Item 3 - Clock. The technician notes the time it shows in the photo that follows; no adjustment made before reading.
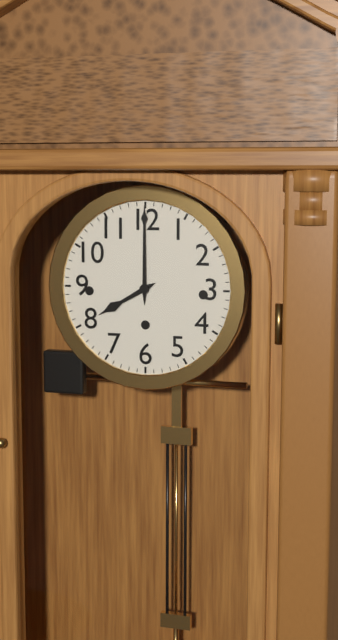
8:00
